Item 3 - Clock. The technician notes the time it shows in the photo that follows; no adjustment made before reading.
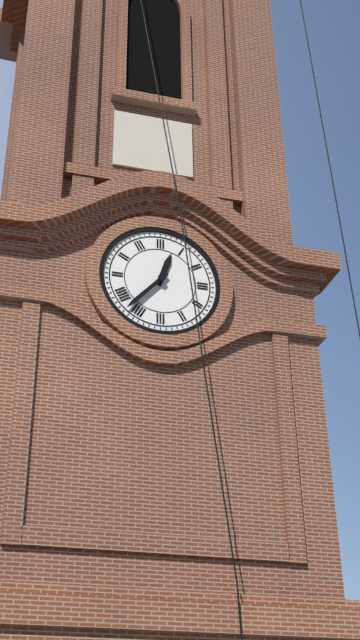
12:37
